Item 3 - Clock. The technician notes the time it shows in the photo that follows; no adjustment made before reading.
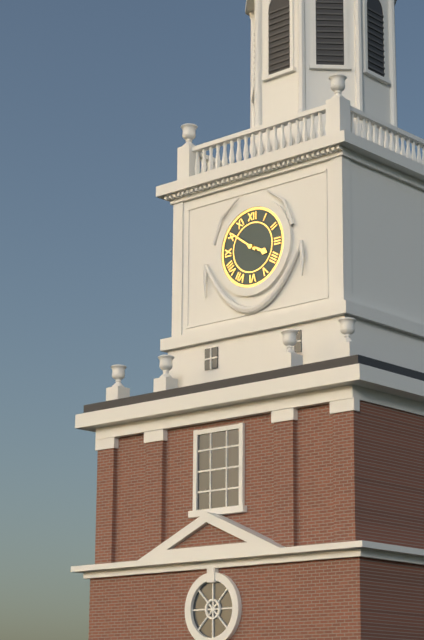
3:51
